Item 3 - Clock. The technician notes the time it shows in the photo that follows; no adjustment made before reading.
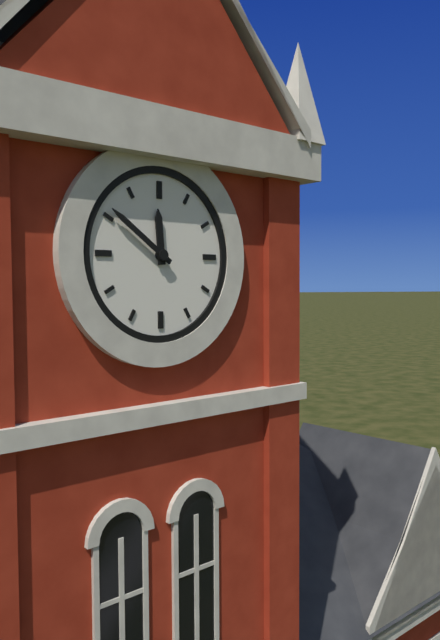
11:51
